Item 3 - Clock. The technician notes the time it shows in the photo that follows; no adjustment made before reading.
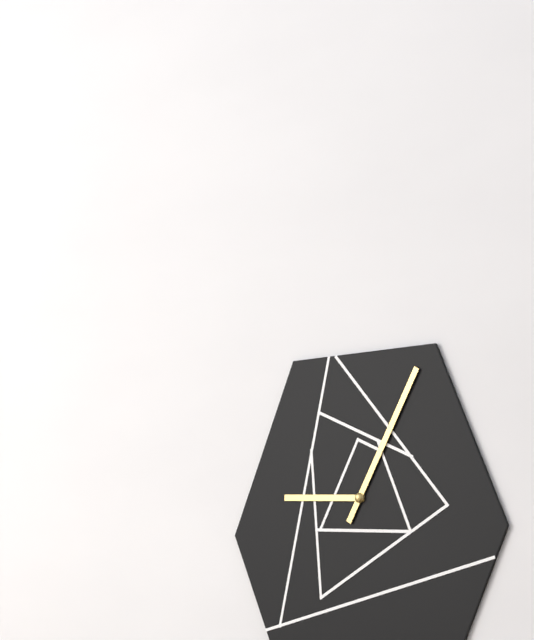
9:05
